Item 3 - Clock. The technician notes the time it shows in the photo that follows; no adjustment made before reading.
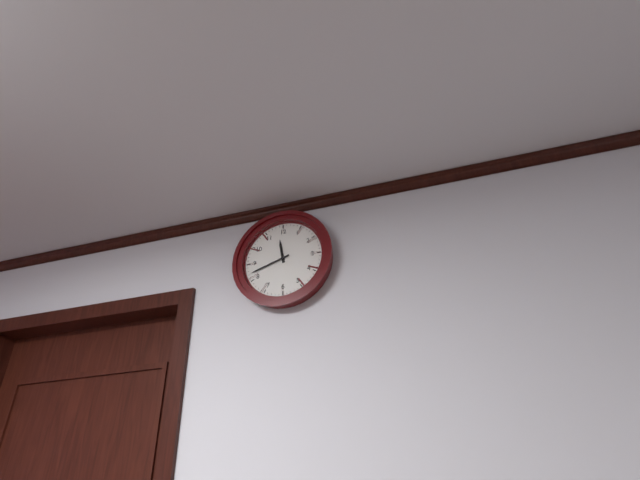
11:42
